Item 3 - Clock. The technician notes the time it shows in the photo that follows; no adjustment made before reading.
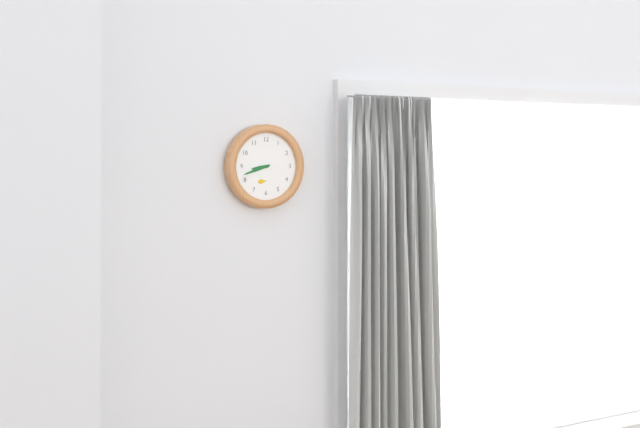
8:42
